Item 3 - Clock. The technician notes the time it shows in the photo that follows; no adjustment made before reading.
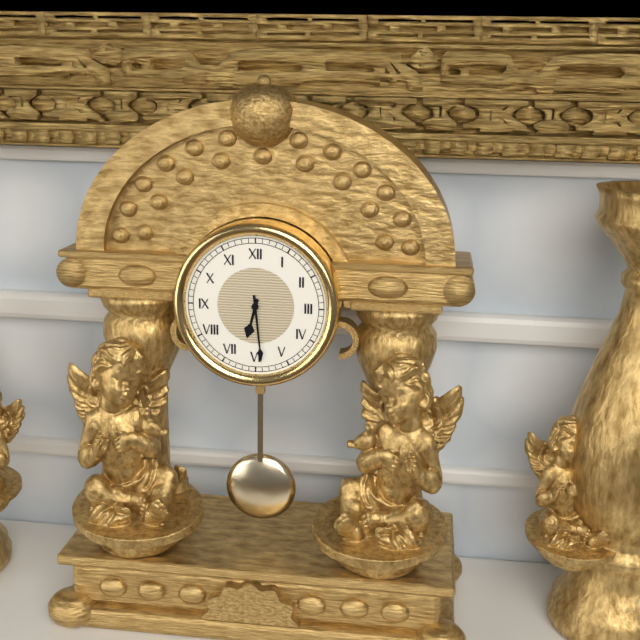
6:29
